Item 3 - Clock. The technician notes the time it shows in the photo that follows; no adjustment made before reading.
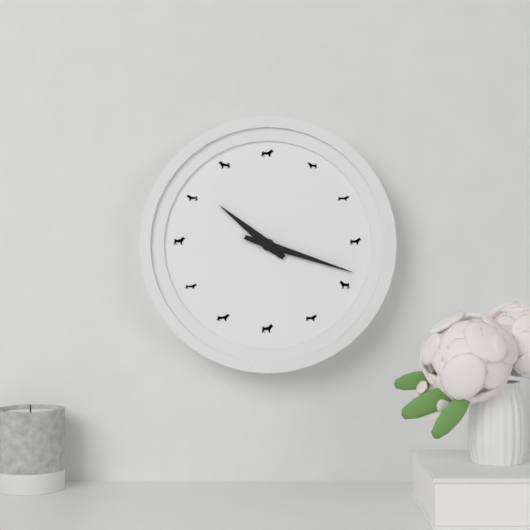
10:18
